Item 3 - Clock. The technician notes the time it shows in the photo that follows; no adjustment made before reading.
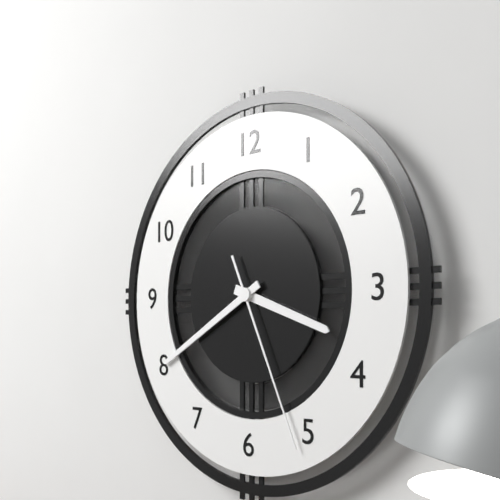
3:40:26
